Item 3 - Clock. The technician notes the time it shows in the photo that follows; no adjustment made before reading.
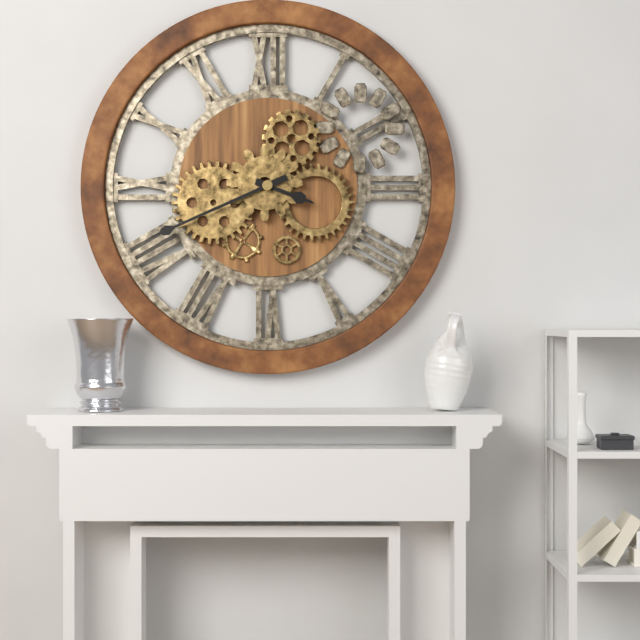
3:41
